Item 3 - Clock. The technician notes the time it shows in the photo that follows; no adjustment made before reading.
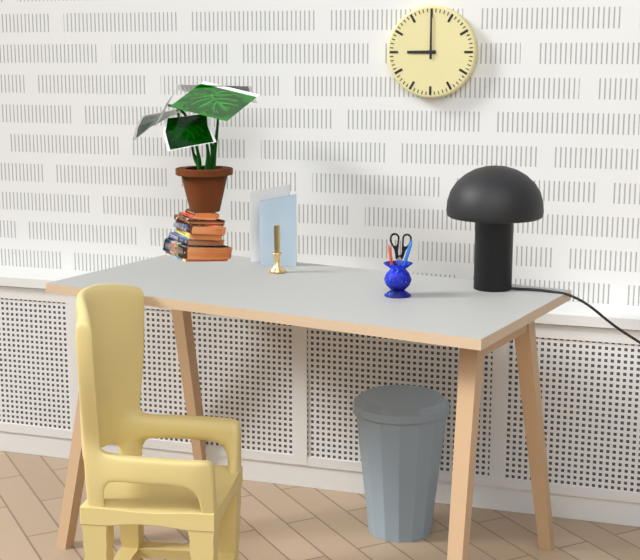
9:00
